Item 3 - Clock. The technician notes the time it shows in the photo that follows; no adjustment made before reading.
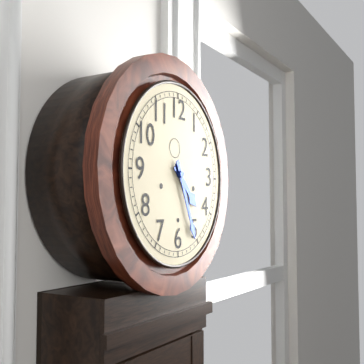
4:26
